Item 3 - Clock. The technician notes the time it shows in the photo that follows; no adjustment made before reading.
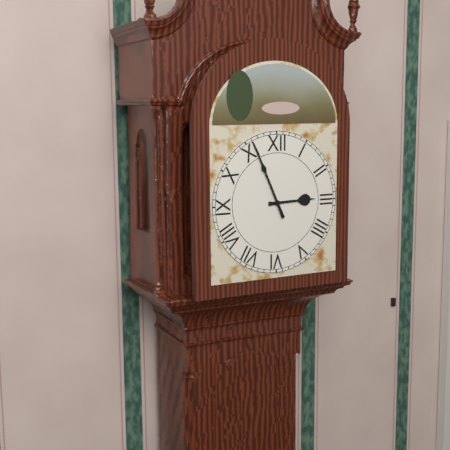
2:56
